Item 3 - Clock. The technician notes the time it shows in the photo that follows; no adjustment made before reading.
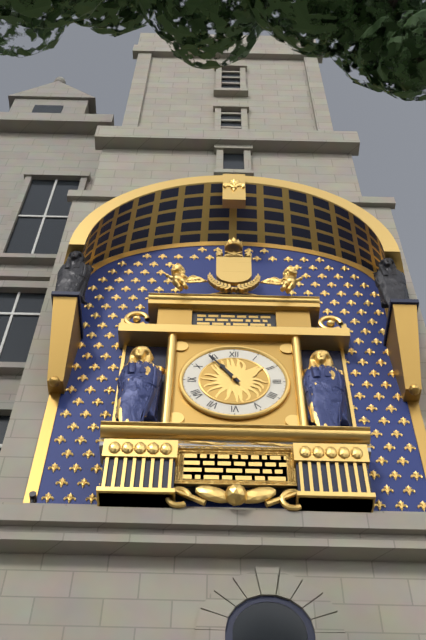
10:54
